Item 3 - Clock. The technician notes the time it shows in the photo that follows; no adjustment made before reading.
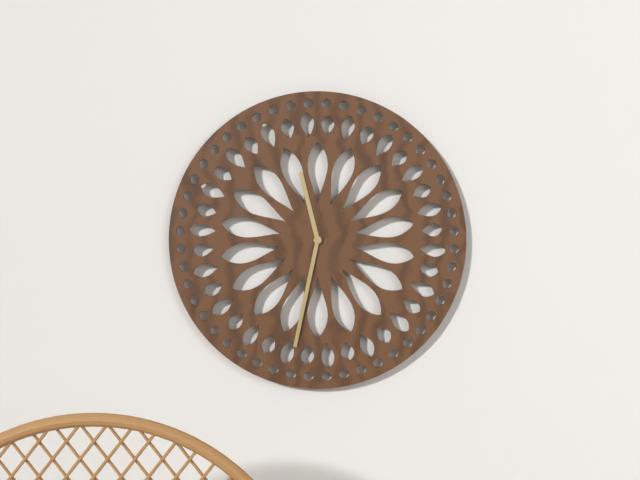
11:32
